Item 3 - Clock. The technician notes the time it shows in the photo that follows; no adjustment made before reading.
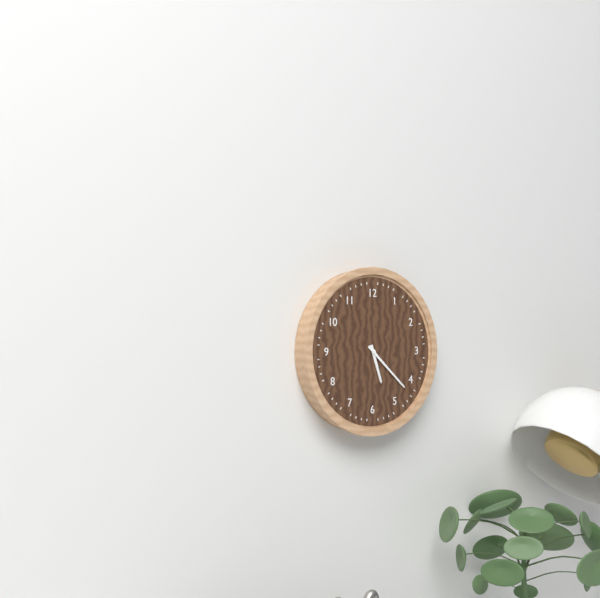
5:22
